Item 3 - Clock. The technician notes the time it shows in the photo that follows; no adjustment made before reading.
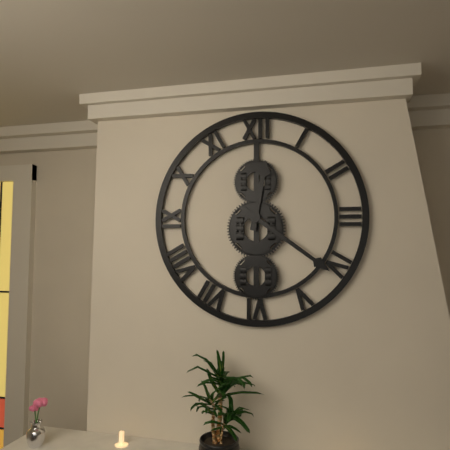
12:21
